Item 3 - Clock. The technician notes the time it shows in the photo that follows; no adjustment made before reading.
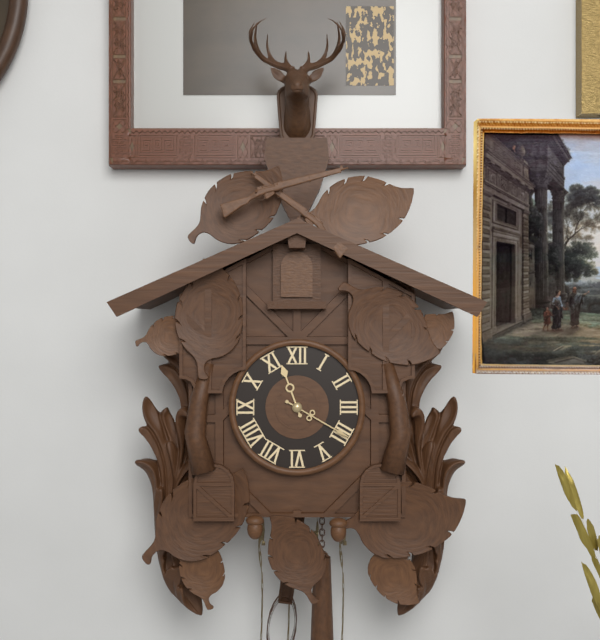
11:20
